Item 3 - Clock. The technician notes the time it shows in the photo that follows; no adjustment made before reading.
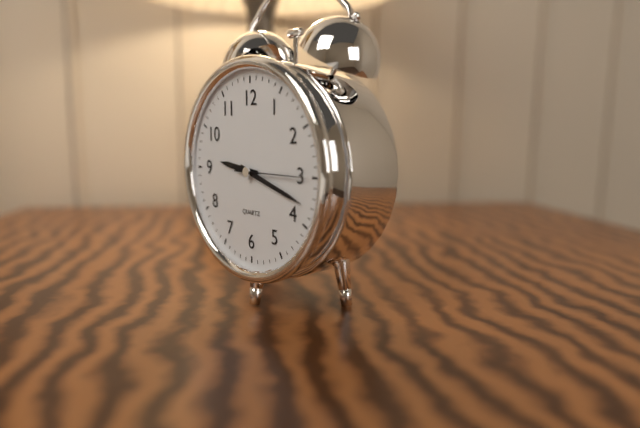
9:18:15
